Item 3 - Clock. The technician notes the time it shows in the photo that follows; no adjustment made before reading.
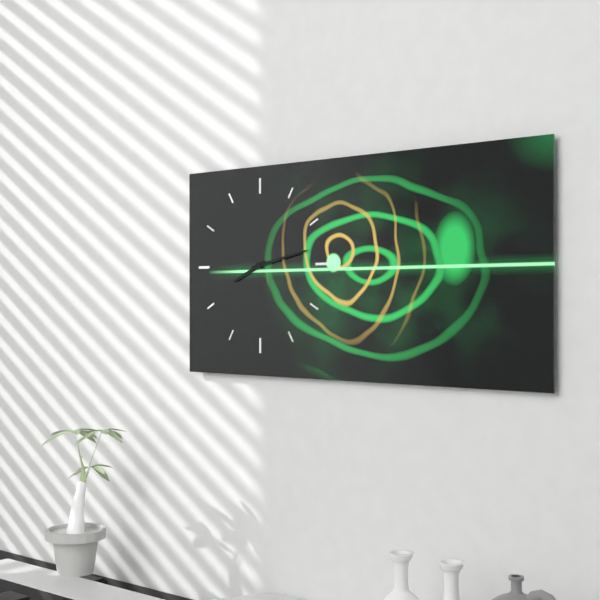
8:13
